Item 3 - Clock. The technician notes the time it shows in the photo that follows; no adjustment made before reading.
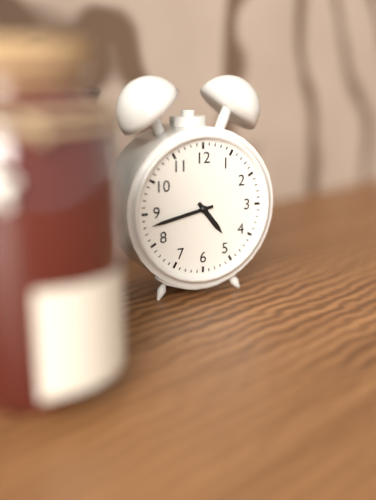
4:43
